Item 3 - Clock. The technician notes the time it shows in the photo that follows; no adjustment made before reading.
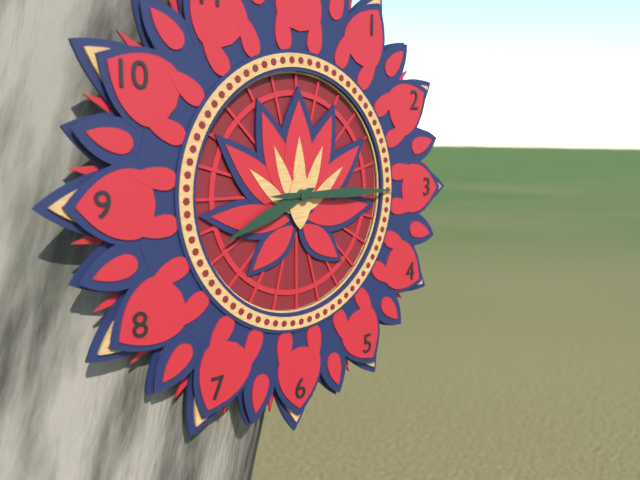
8:15
